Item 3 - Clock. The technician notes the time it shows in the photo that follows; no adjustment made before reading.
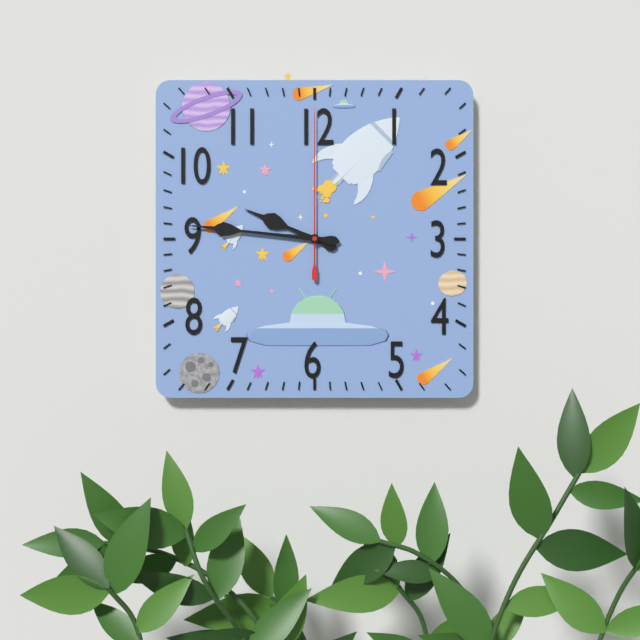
9:46:00
